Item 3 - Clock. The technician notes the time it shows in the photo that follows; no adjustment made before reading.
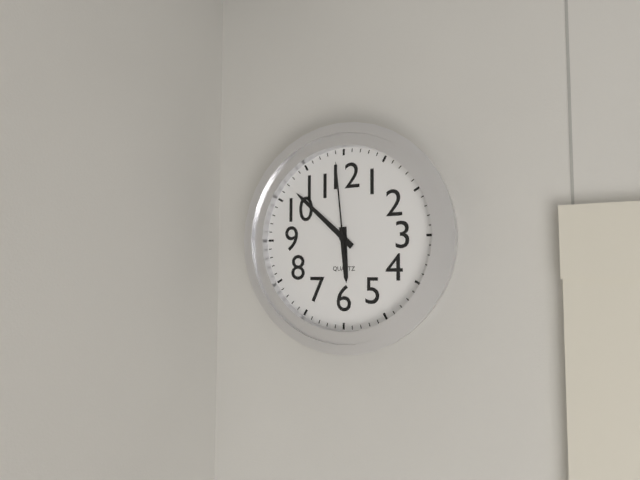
5:52:59
